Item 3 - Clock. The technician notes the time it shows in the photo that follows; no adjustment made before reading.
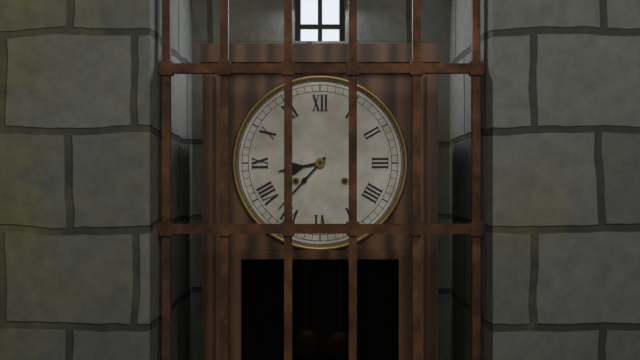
8:37
